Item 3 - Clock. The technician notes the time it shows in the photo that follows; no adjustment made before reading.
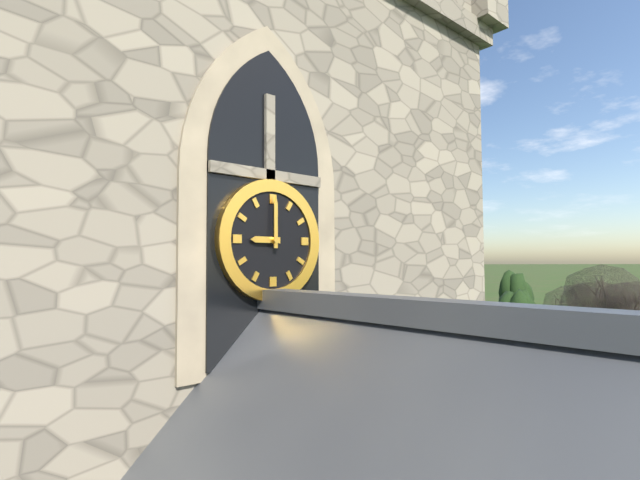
9:00
